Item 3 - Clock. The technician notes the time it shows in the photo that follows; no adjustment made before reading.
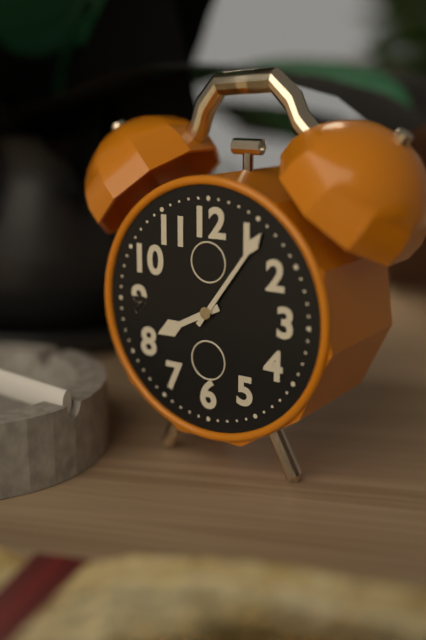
8:06
